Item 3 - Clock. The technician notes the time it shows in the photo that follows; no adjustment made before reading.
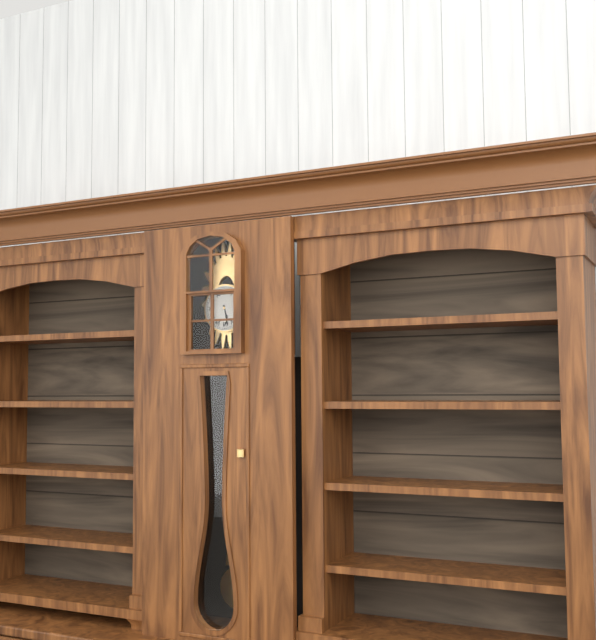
5:28
